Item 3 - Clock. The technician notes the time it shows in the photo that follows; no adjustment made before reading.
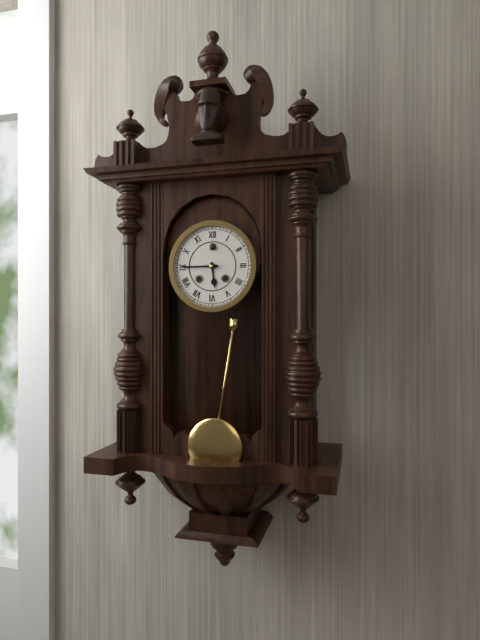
5:45
